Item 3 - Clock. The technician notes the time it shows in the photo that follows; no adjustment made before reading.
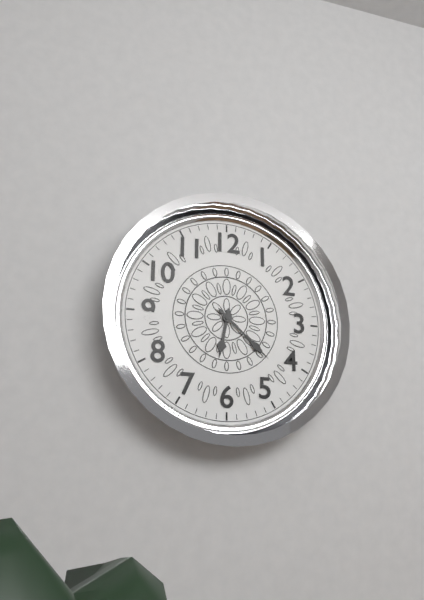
6:22
